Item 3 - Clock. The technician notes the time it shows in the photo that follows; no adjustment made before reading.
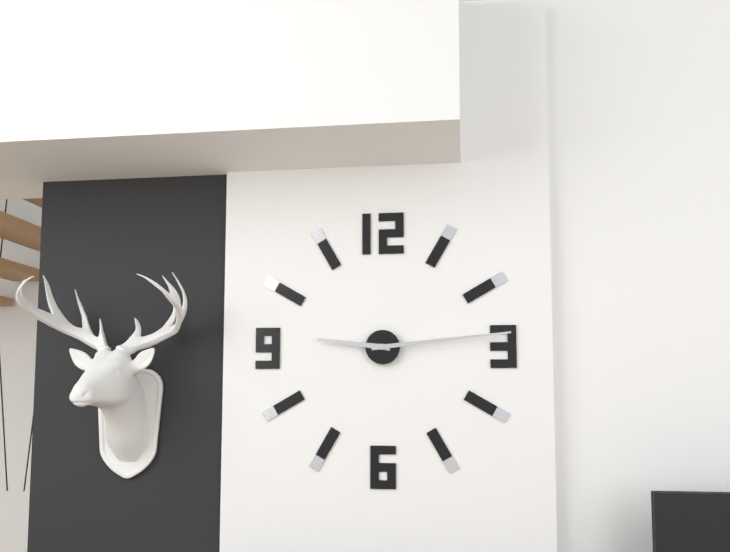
9:14
